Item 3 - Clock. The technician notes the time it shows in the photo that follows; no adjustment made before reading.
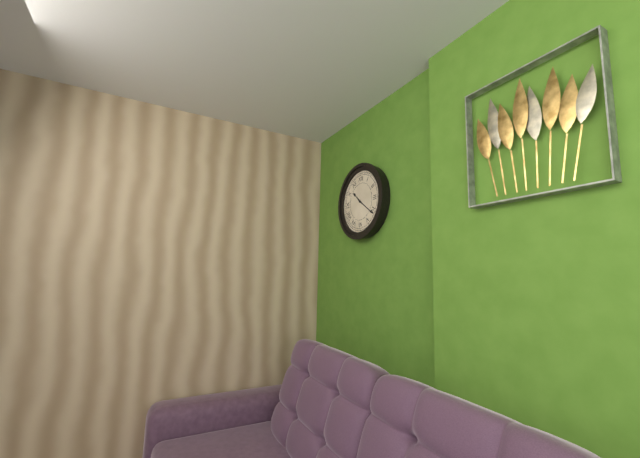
10:21
